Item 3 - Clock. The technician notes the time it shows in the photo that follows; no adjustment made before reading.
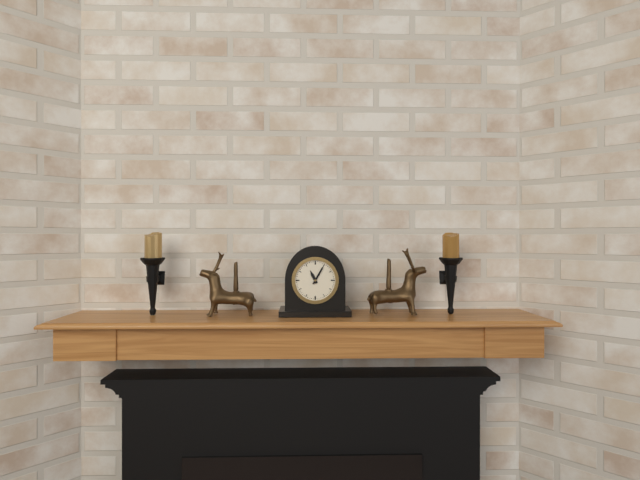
11:05
